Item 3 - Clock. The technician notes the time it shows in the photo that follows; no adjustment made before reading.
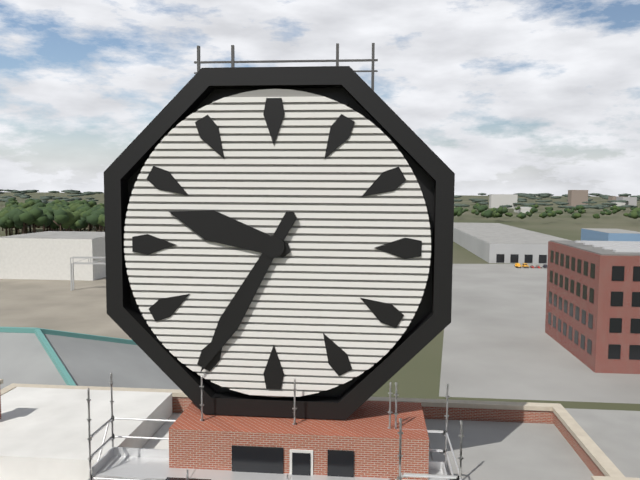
9:35
